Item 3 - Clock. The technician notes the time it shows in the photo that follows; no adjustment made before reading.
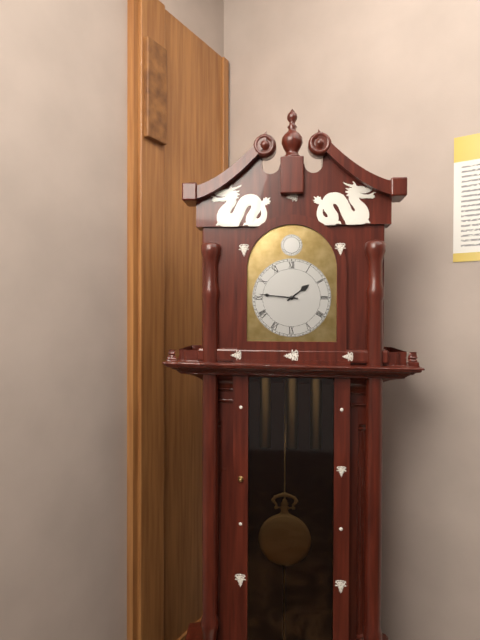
1:46
